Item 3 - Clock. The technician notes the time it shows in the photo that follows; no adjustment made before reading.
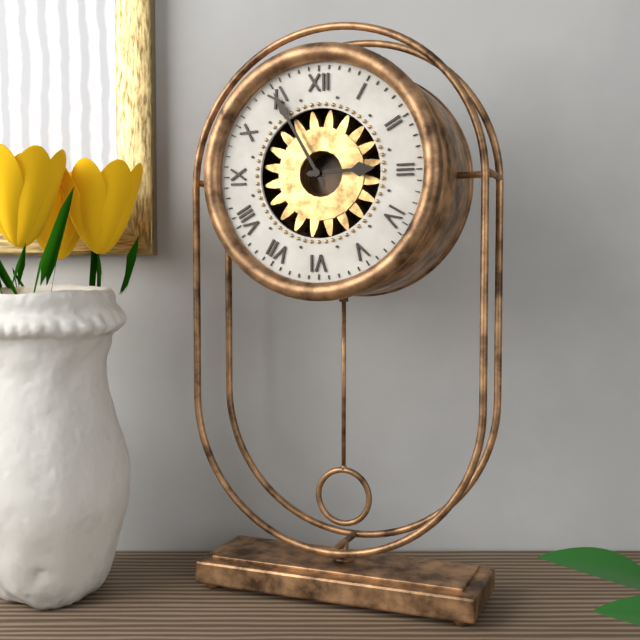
2:55
